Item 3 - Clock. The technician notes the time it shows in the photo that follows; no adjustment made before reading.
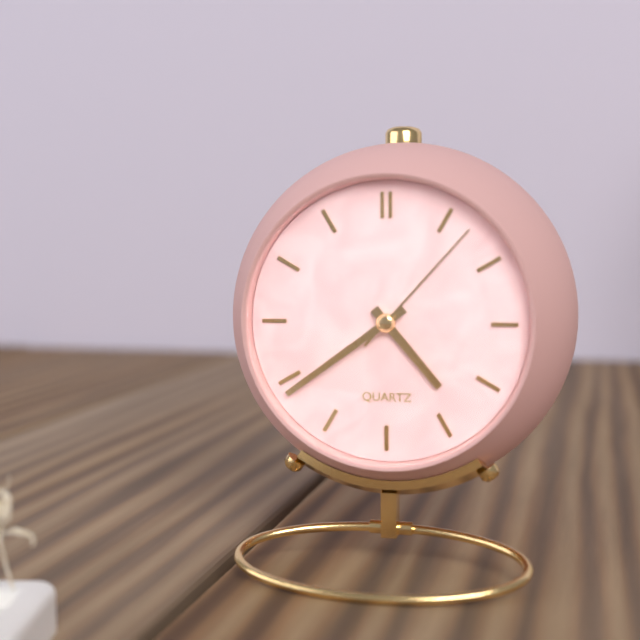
4:39:07
